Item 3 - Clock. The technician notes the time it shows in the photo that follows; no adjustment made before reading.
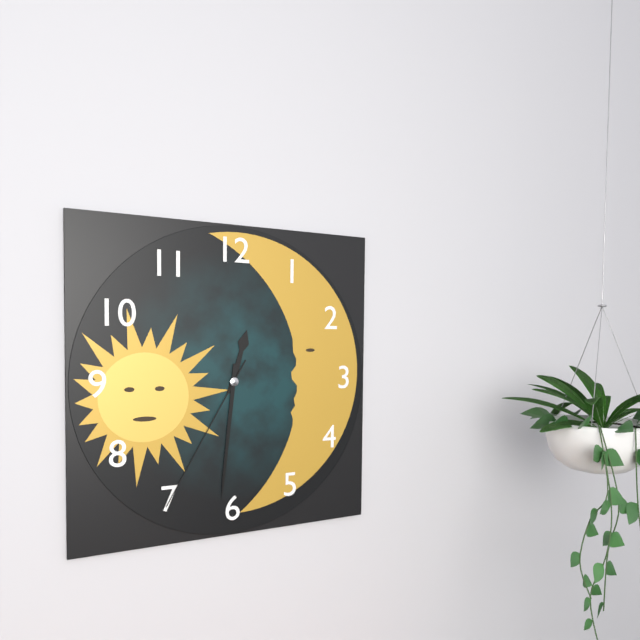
12:31:35
